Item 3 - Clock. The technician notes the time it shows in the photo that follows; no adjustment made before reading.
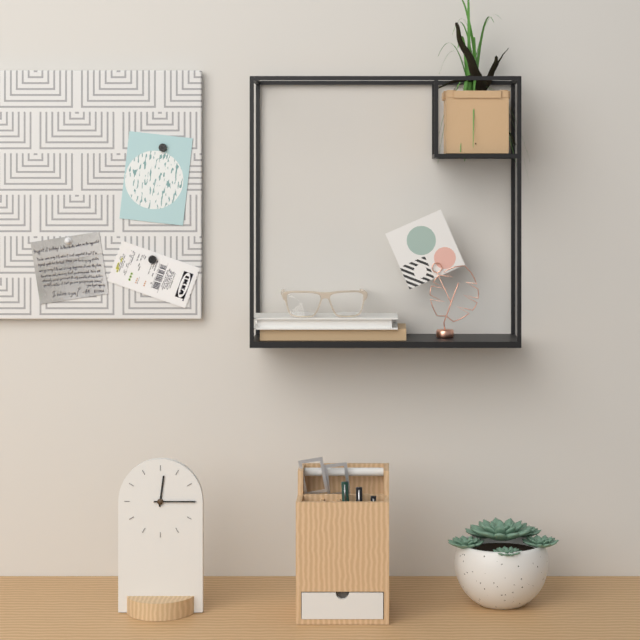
12:15
